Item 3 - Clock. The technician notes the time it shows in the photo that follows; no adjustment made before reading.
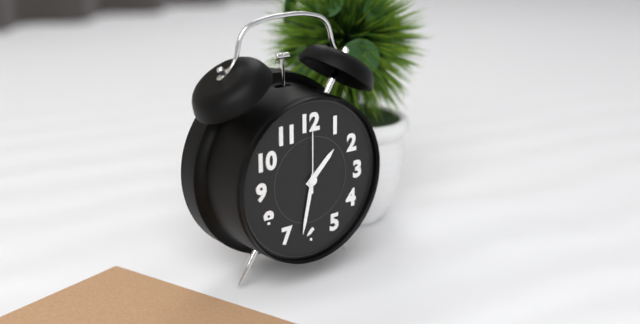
1:32:00
